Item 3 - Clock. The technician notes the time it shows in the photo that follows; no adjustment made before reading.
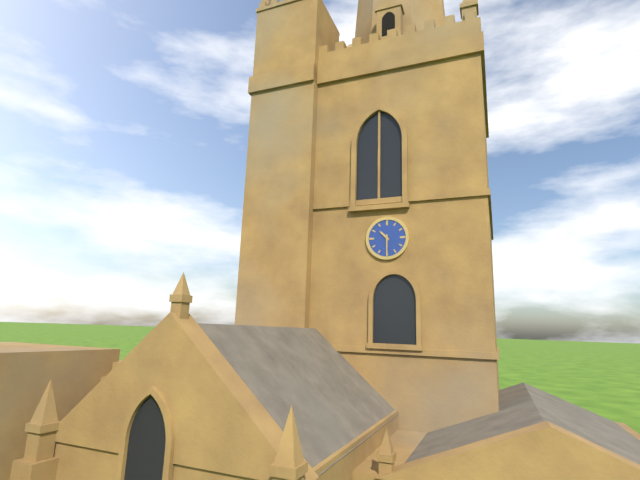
10:30
